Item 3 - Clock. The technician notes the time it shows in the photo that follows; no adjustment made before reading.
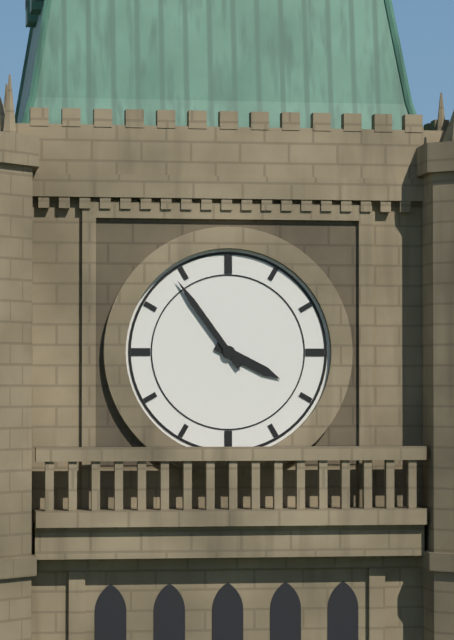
3:54
